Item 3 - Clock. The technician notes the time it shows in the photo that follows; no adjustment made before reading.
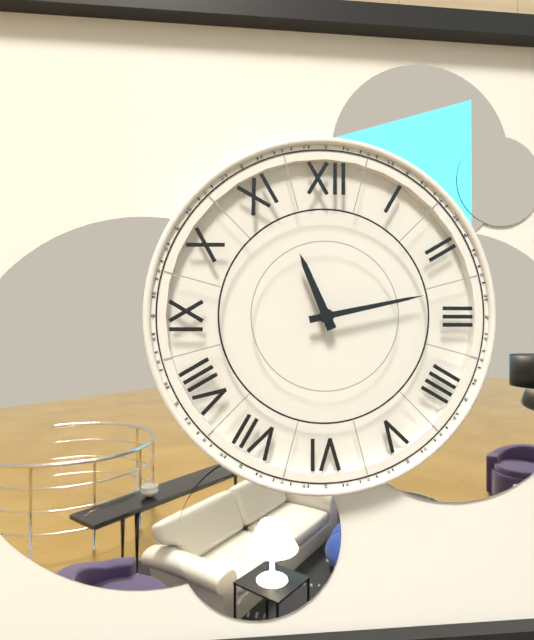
11:13
